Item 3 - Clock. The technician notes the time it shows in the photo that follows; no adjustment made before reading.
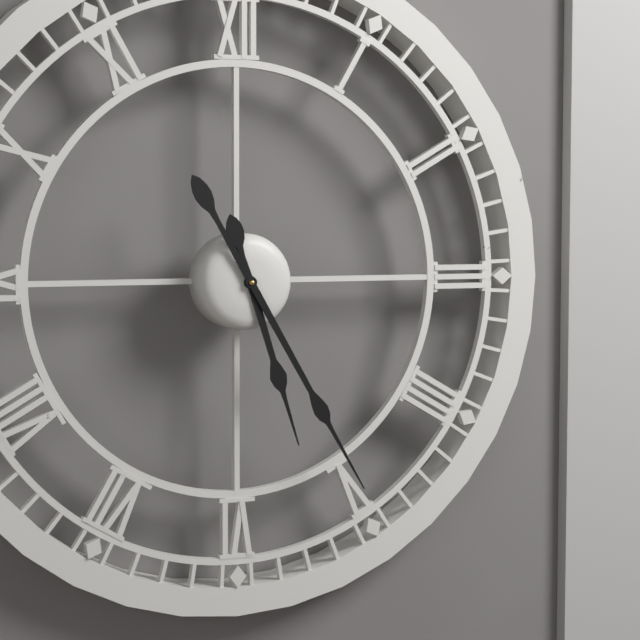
5:25
